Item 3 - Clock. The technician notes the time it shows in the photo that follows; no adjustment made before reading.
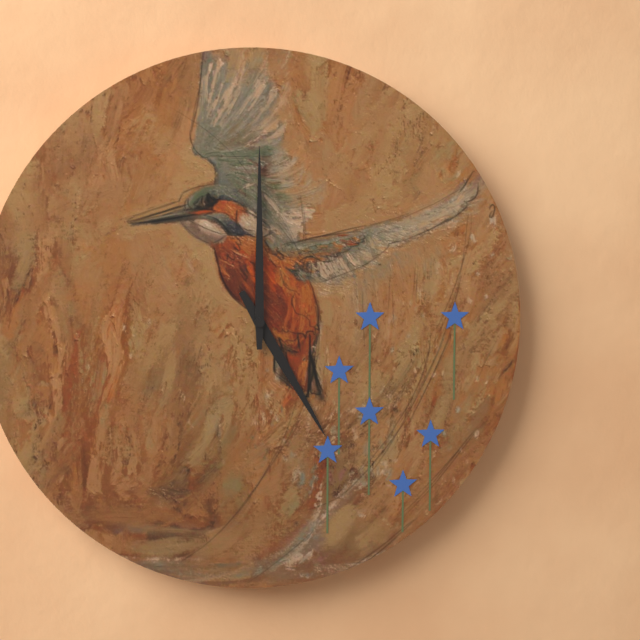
5:00
